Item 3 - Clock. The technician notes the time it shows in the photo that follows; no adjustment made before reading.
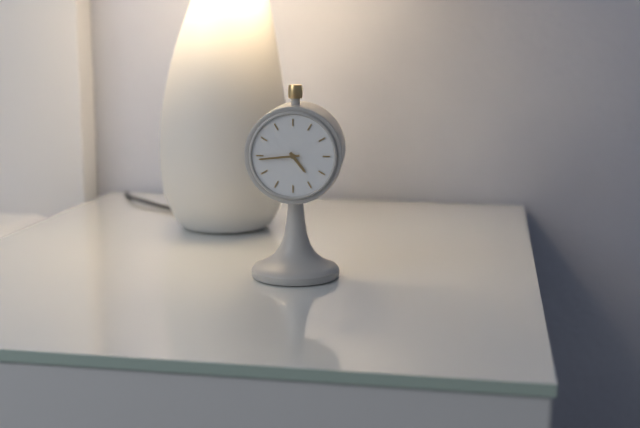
4:44
